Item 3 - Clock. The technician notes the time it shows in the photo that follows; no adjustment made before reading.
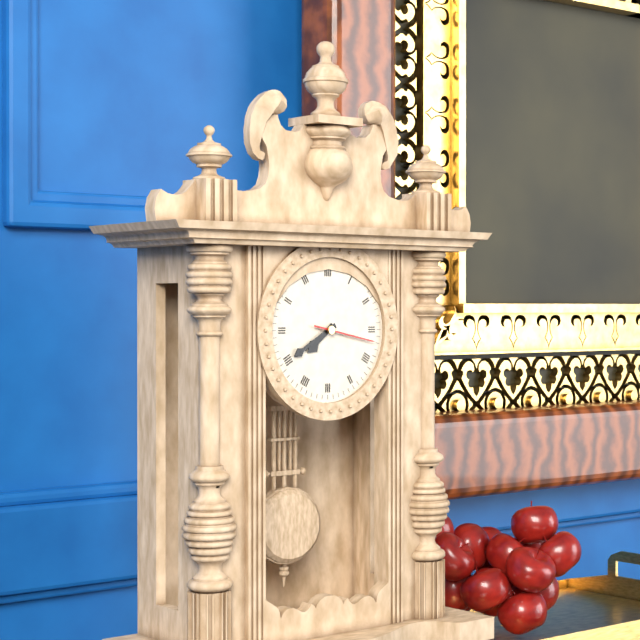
7:40:17
